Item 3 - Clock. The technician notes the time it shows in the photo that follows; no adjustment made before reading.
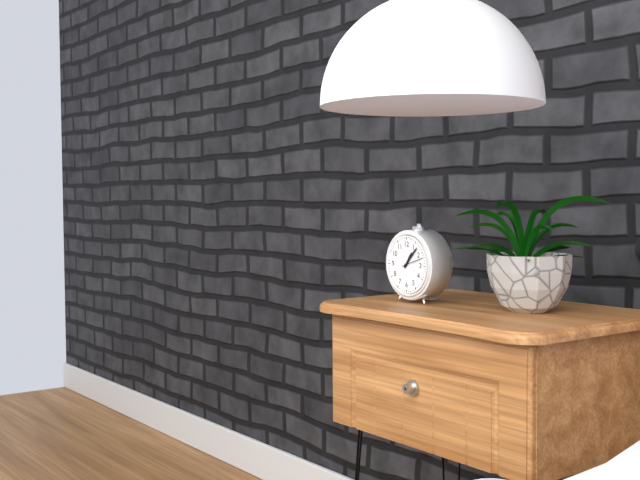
1:07
